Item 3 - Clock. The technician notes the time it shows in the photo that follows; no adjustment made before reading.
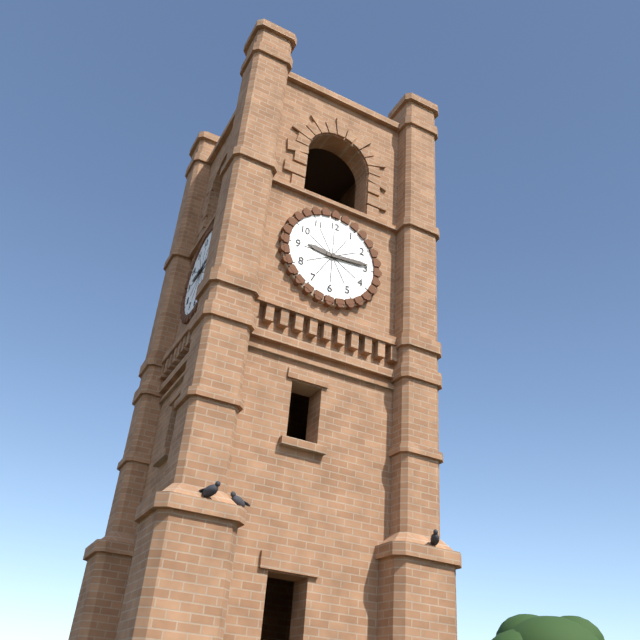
9:14
